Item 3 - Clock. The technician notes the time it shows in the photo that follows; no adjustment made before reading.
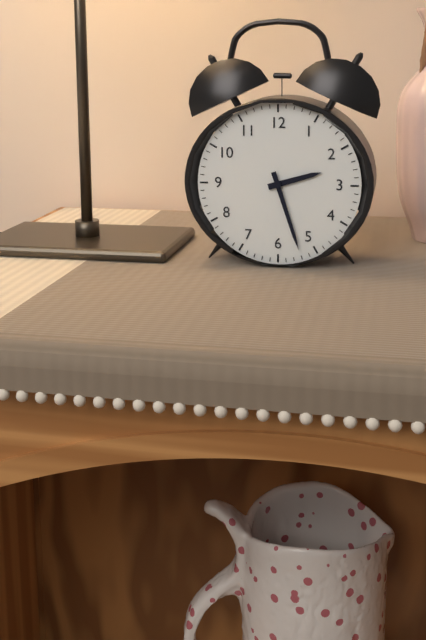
2:27
